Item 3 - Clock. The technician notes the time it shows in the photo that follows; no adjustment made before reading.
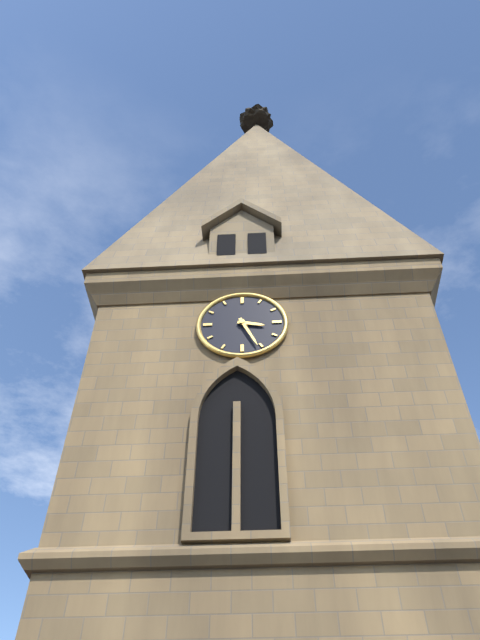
3:26
